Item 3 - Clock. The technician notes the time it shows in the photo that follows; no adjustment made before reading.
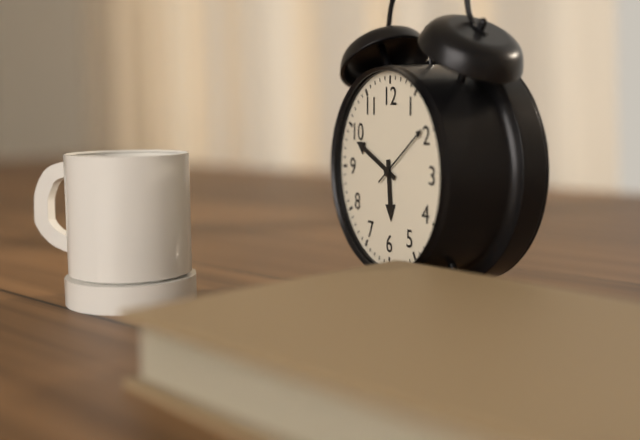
5:49:09
